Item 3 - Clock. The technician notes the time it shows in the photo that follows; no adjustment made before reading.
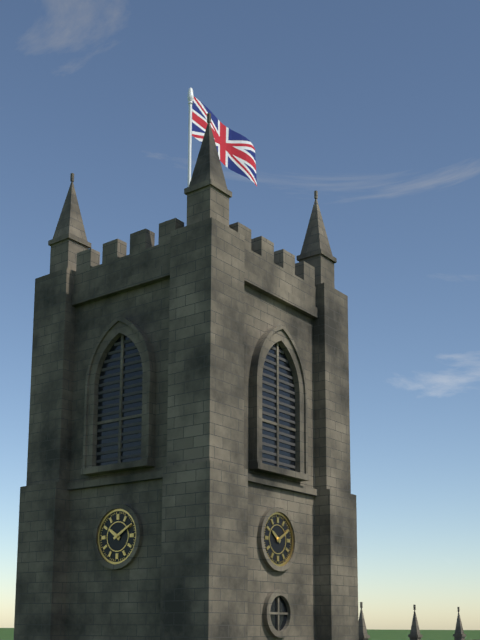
10:10
